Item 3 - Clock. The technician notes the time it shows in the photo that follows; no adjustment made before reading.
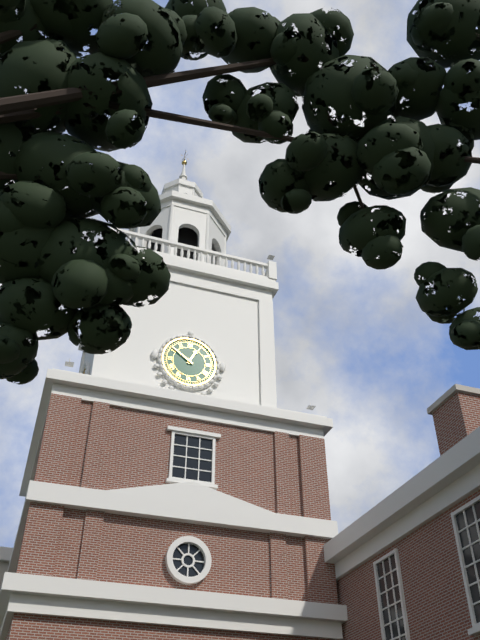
12:51
